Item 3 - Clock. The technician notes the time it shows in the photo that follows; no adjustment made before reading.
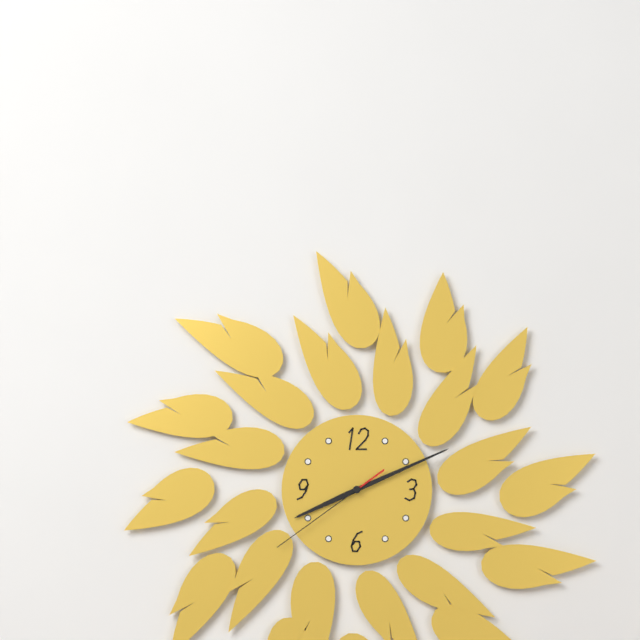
8:11:39
